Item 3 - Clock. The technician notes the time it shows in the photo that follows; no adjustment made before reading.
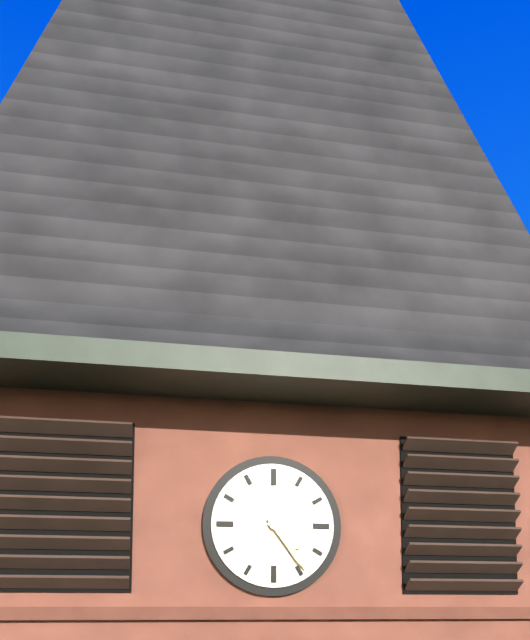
4:24
